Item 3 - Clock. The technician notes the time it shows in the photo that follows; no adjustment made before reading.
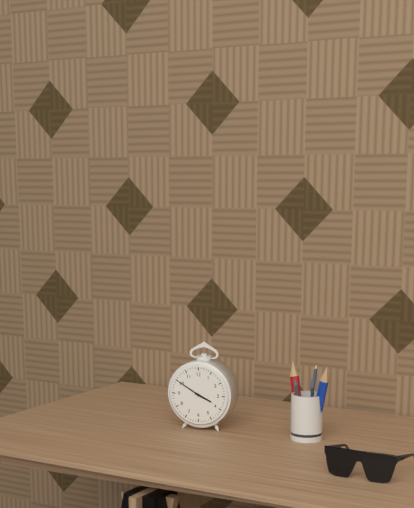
3:50
